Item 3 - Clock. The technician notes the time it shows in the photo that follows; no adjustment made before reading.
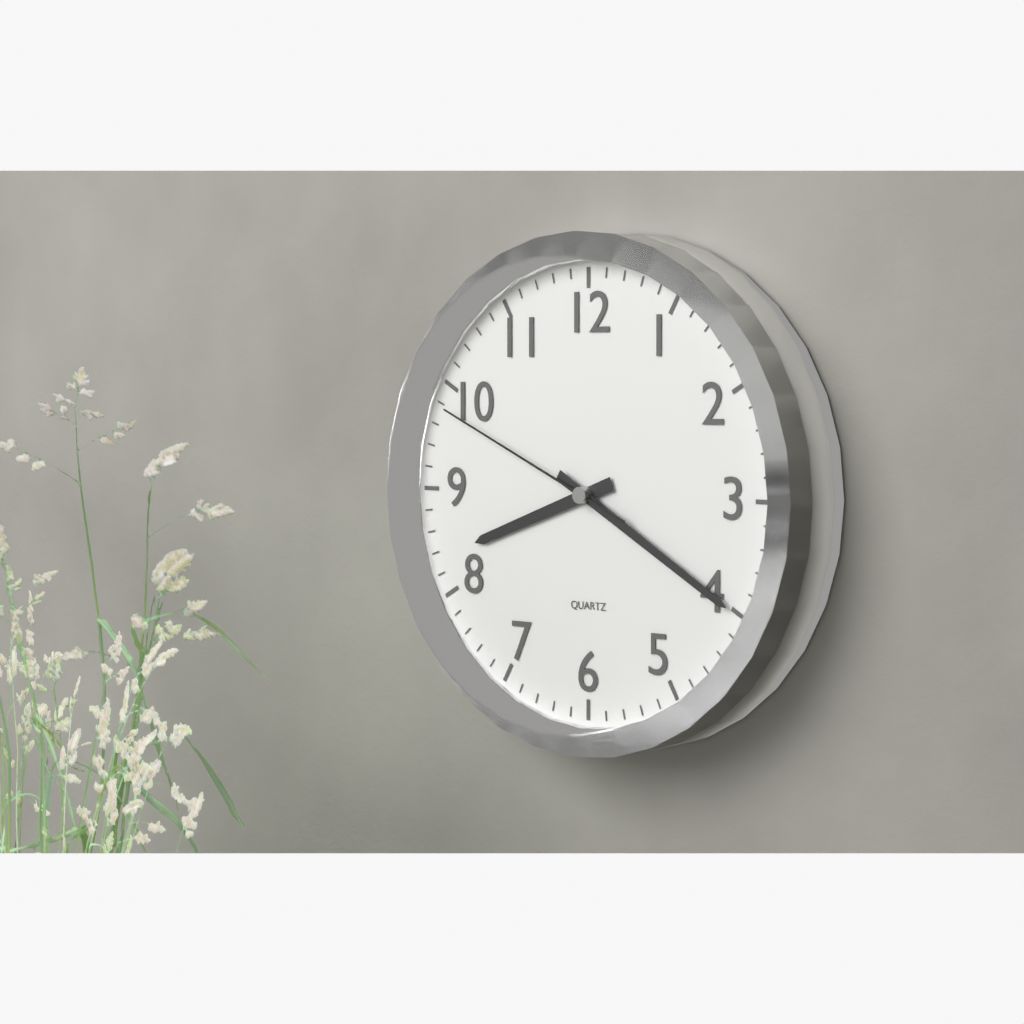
8:20:49
